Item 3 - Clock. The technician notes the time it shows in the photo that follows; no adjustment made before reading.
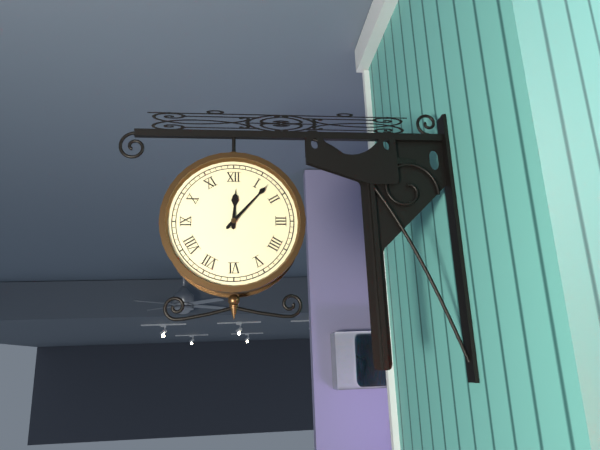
12:07
